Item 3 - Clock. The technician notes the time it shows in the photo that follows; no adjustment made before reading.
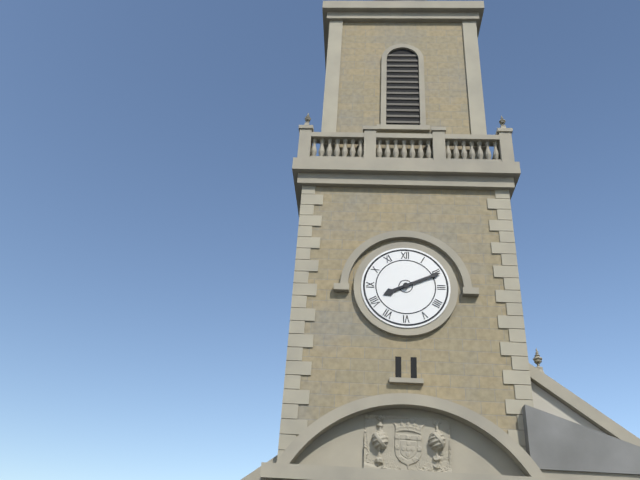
8:11
